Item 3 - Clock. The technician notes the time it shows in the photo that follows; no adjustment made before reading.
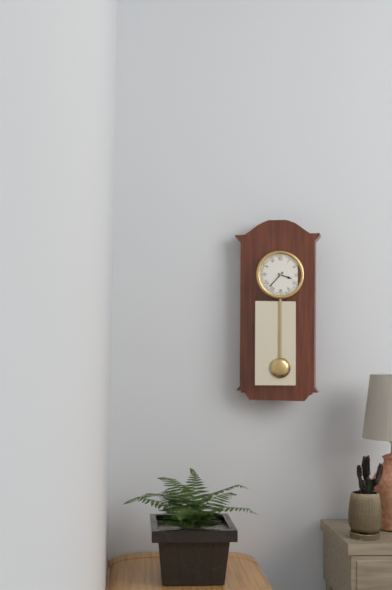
3:37
